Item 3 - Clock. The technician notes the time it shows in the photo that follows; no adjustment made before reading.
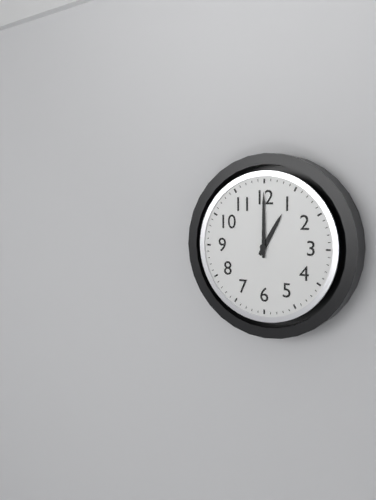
1:00
